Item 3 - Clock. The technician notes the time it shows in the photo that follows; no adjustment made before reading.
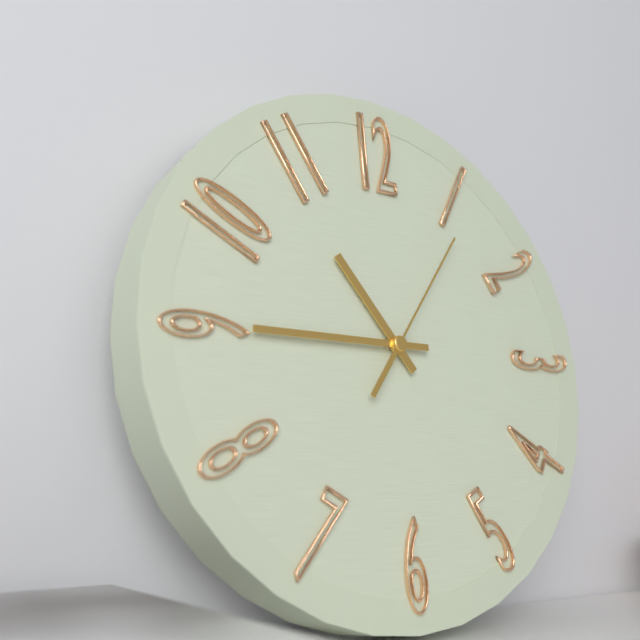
10:45:06
